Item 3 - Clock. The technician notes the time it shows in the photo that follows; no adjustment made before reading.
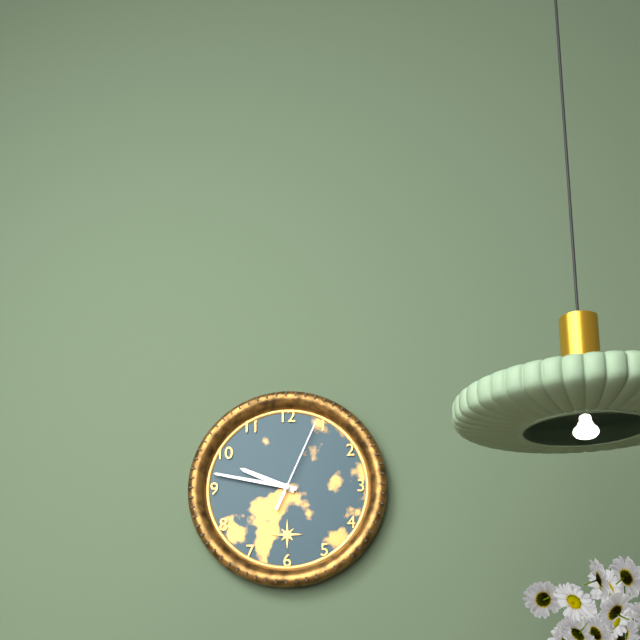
9:47:04
